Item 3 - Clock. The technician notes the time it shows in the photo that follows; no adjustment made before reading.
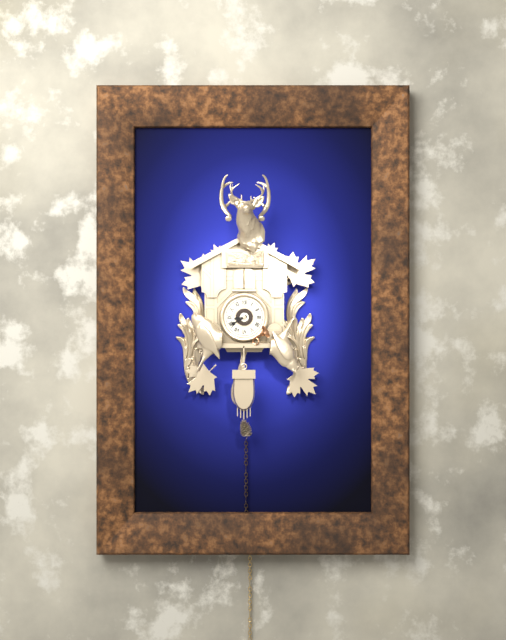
8:40
